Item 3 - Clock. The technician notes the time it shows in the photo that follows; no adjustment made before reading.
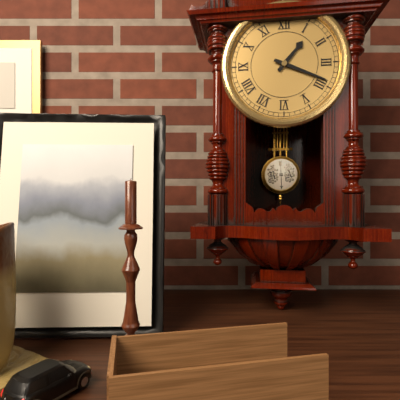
1:19
